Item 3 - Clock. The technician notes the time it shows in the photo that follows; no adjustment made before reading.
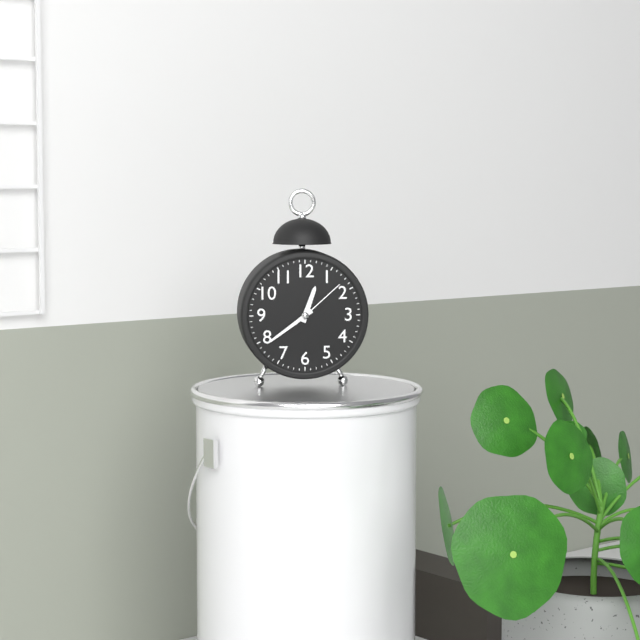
12:39:08
